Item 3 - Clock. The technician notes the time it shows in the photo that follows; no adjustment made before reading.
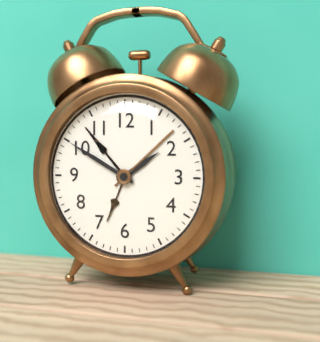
1:50
